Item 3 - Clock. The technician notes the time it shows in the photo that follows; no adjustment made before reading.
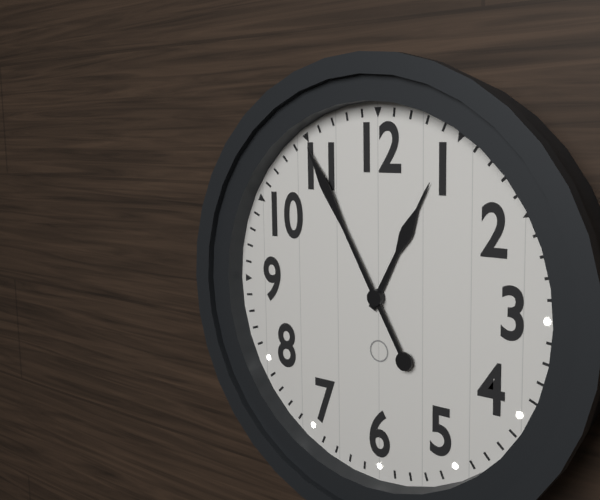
12:55
